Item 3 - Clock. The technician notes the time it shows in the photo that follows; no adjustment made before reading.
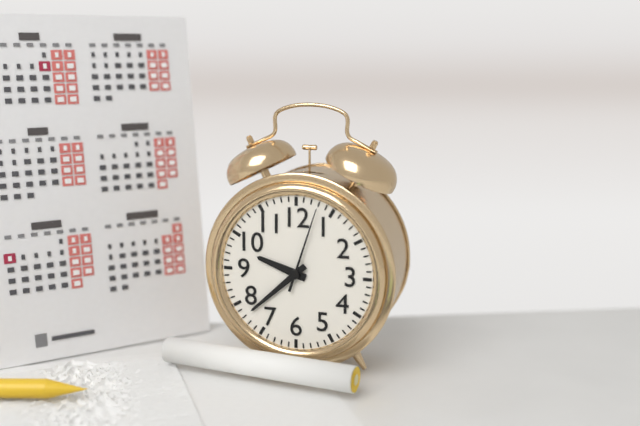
9:38:03
